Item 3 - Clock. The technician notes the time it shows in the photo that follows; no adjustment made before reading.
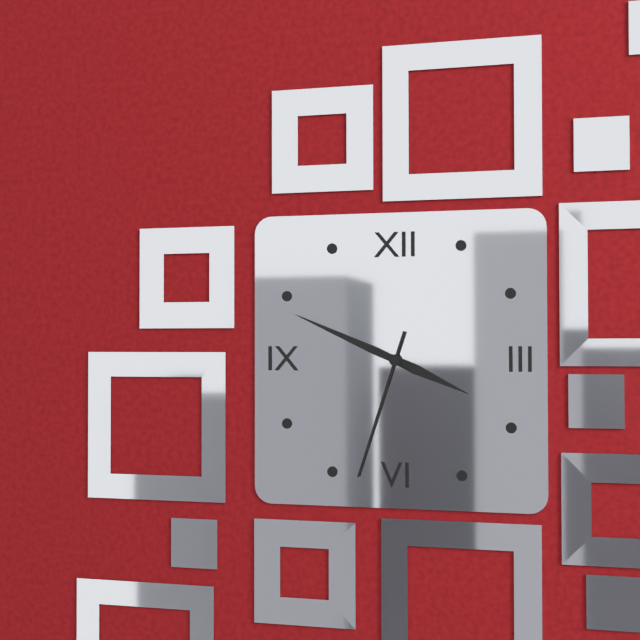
3:49:33
